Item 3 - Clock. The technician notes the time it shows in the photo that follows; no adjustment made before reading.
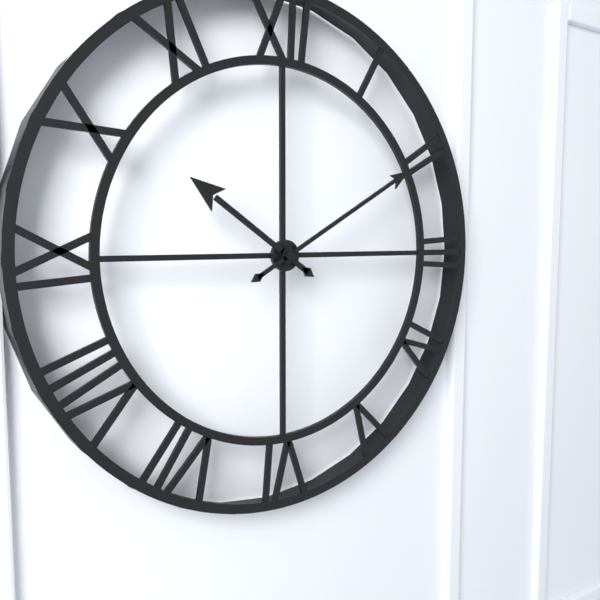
10:10
